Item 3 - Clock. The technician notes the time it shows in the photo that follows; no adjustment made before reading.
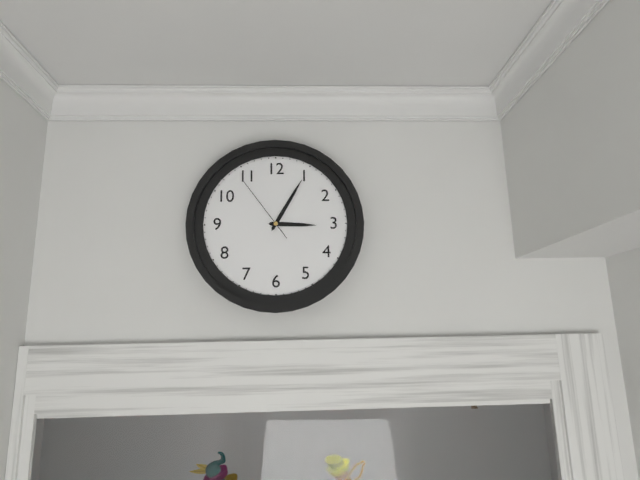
3:05:54
